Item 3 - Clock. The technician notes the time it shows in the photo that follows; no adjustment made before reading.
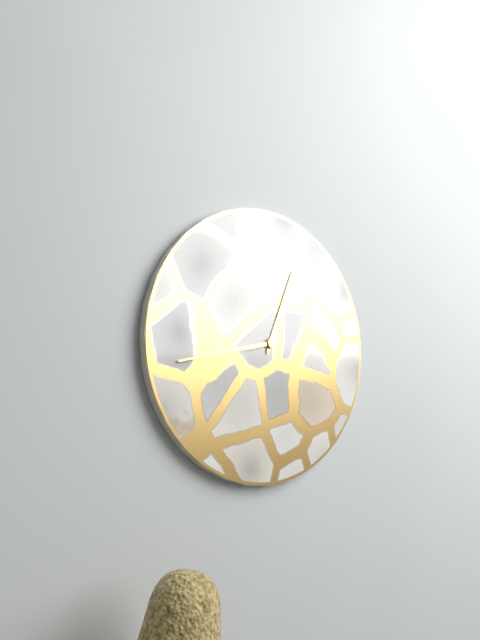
12:43
